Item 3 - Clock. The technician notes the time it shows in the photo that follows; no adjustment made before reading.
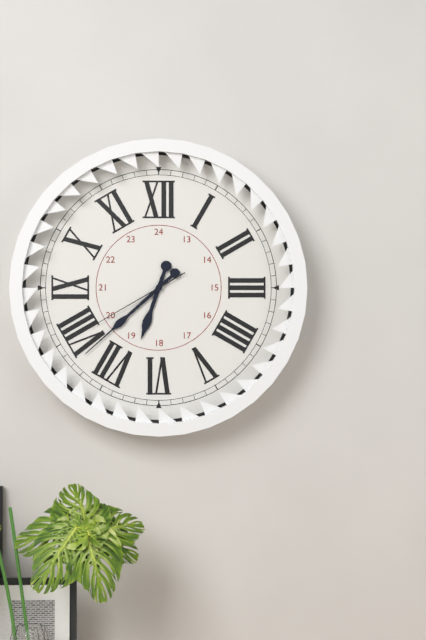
6:38:40
